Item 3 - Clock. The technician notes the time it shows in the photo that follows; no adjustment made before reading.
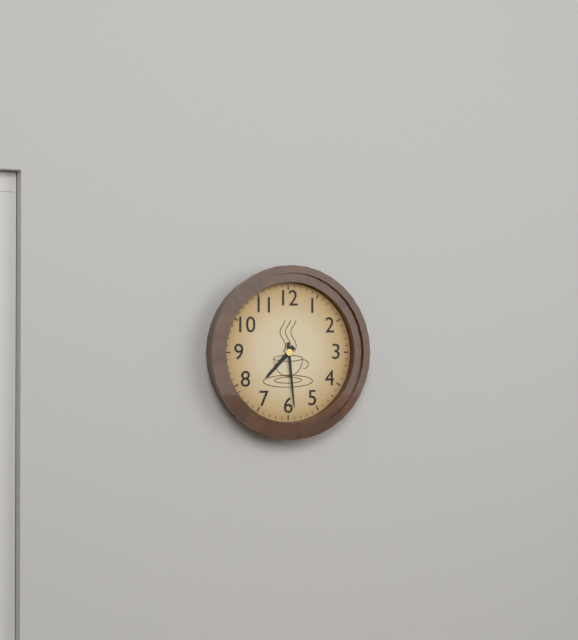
7:29
